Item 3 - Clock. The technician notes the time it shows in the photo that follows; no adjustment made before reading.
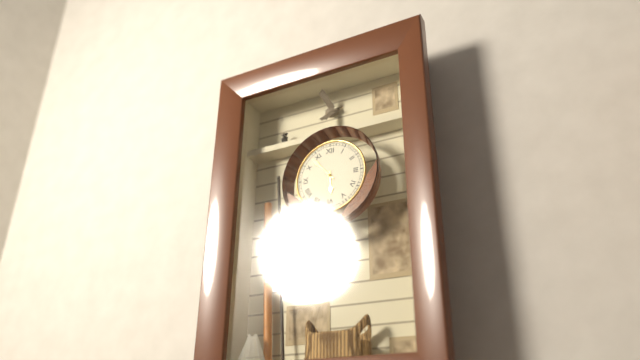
5:53
